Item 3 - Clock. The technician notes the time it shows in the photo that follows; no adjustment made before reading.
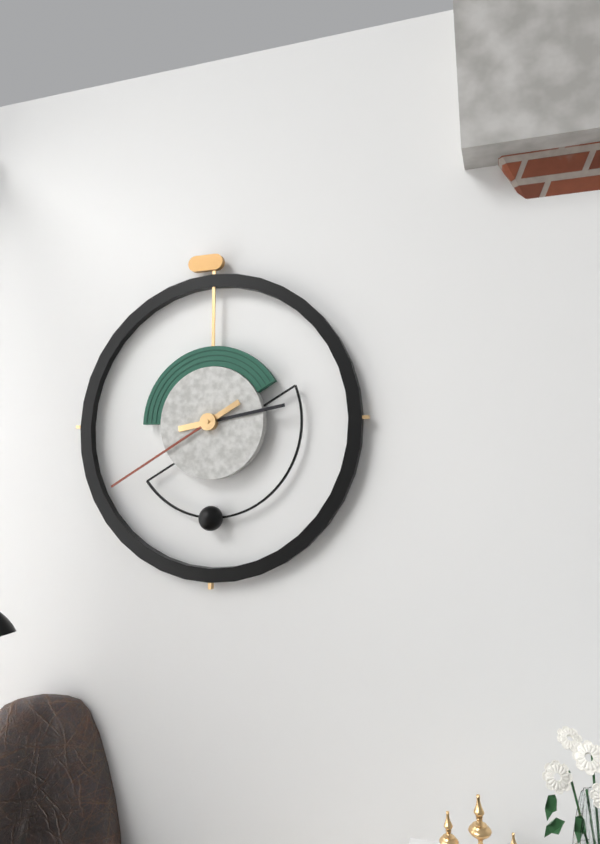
2:40
